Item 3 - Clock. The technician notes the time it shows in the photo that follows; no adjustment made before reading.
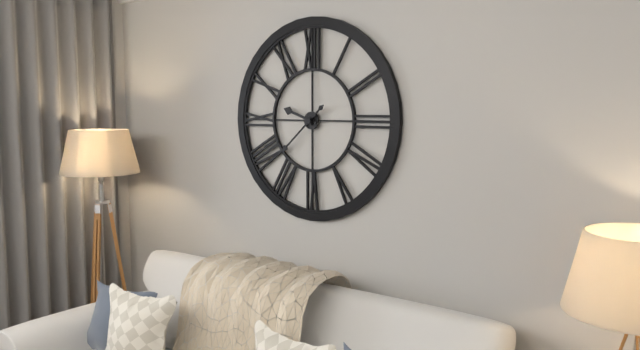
9:38
